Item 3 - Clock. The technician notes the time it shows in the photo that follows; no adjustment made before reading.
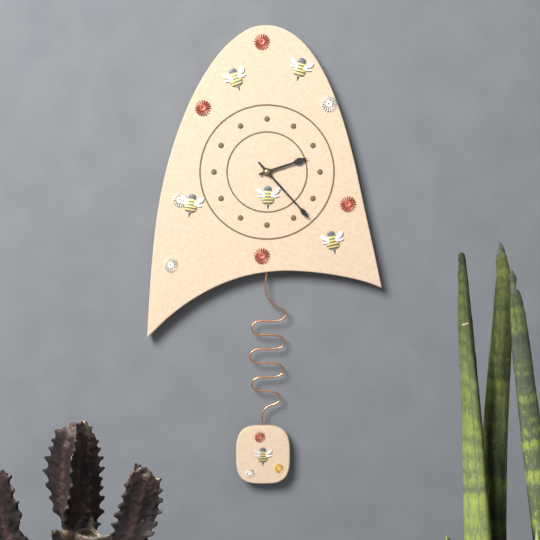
2:23
